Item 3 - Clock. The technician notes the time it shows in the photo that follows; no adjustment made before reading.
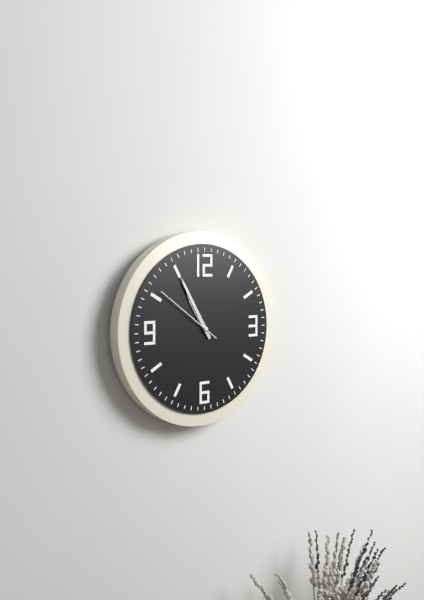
10:55:51
